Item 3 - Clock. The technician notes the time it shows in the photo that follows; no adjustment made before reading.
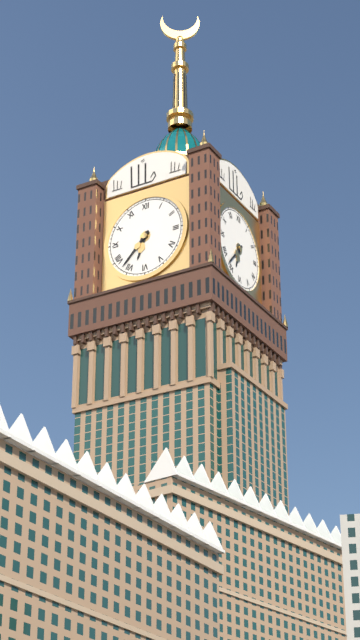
6:37
